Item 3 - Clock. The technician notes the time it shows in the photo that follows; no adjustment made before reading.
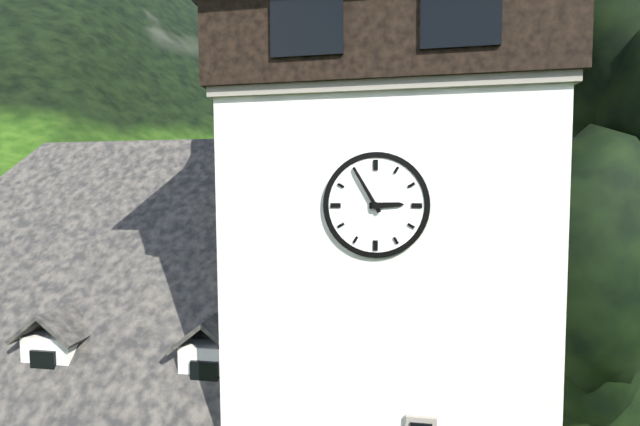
2:55
